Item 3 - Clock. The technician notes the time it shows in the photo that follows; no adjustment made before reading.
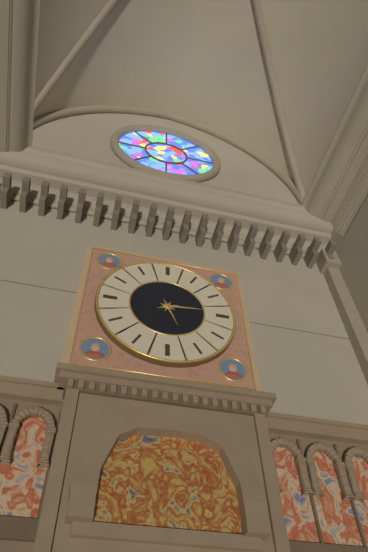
5:14
